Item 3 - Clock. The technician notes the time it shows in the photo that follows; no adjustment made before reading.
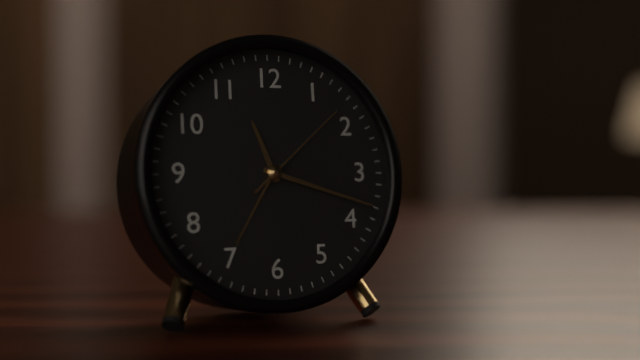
11:18:08
